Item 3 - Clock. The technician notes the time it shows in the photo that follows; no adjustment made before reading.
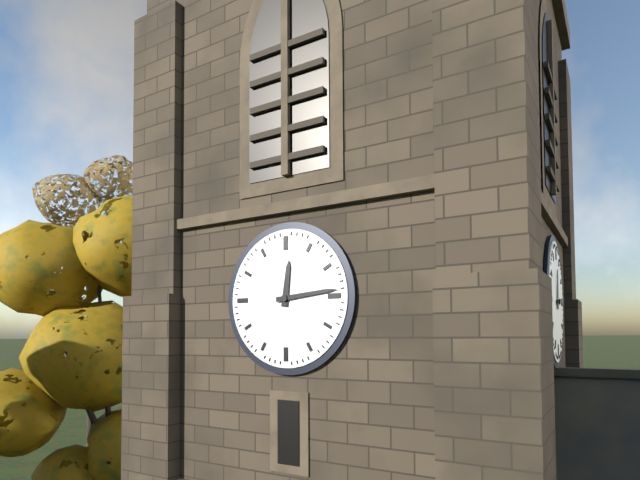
12:14
